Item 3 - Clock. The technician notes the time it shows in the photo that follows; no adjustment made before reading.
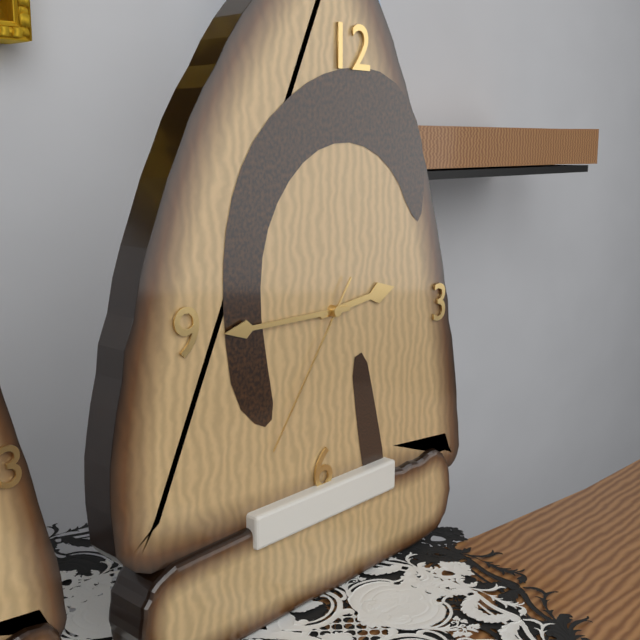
2:45:36
